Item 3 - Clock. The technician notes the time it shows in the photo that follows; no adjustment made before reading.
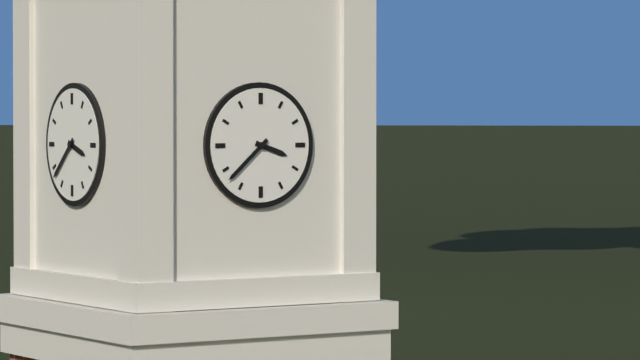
3:38
